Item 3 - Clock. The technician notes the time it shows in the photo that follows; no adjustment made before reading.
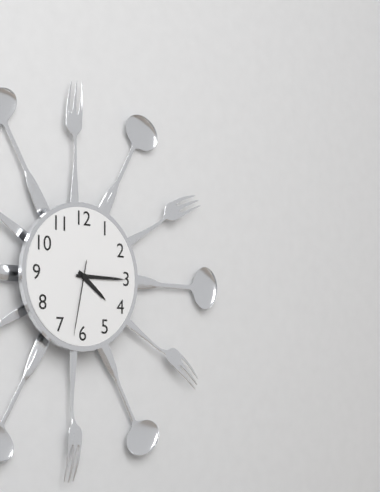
4:15:32
